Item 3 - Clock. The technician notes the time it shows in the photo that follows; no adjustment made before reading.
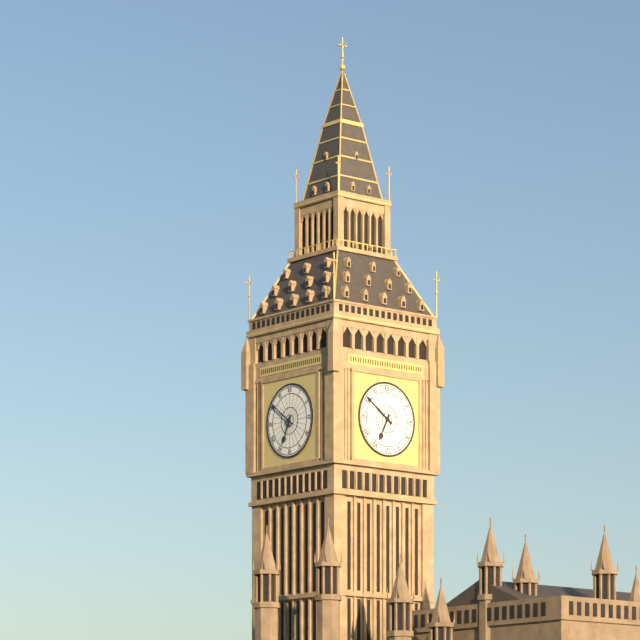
6:51
